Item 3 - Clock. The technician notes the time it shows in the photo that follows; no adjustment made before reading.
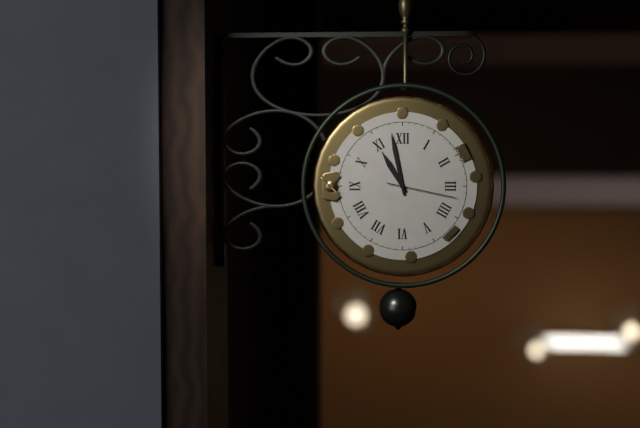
10:58:17
